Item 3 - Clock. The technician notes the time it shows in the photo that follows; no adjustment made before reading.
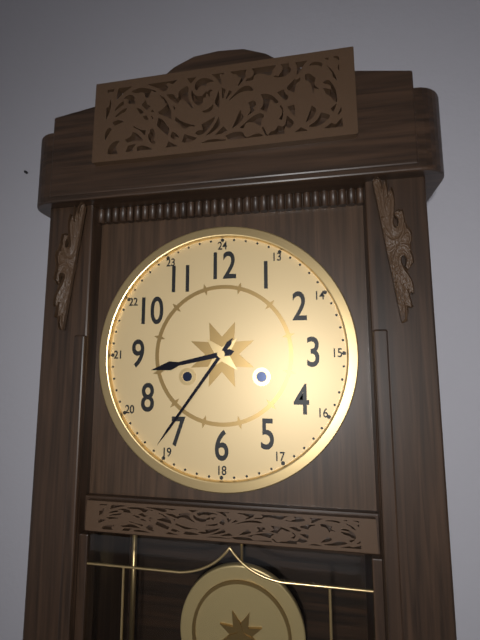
8:36
